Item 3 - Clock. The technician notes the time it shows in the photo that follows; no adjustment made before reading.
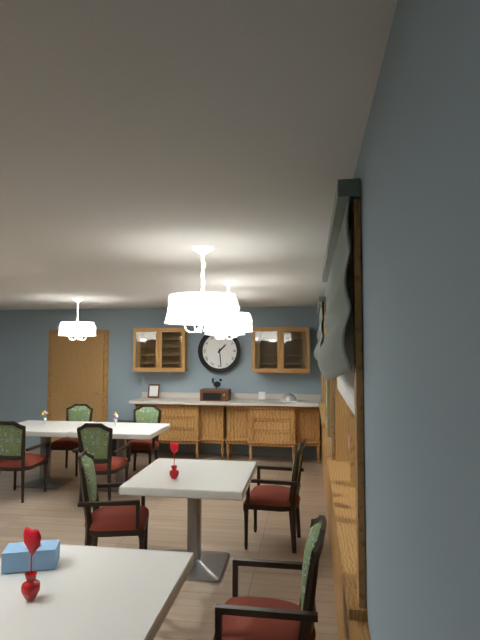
1:29
